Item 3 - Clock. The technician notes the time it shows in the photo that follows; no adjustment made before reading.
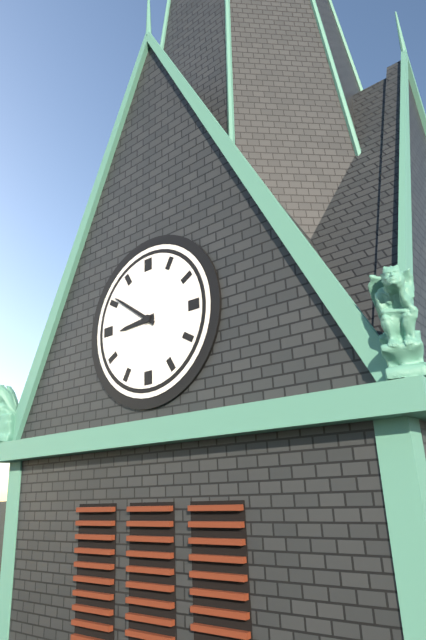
8:51
